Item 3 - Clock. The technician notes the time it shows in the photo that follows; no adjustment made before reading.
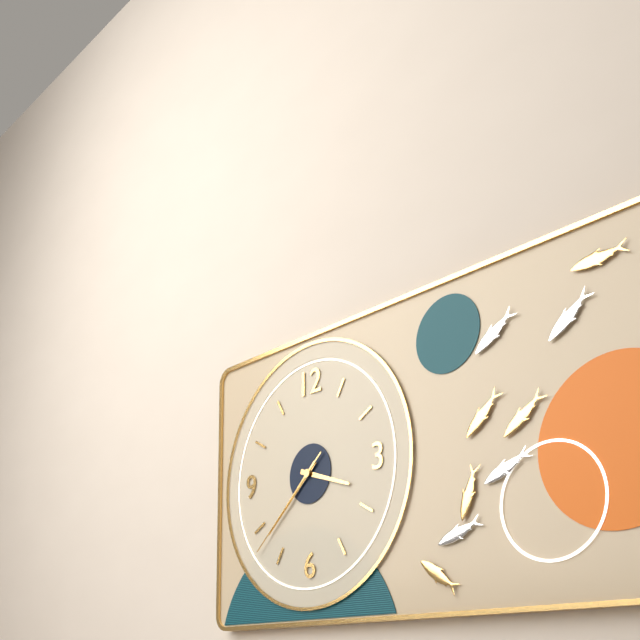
3:38:38
